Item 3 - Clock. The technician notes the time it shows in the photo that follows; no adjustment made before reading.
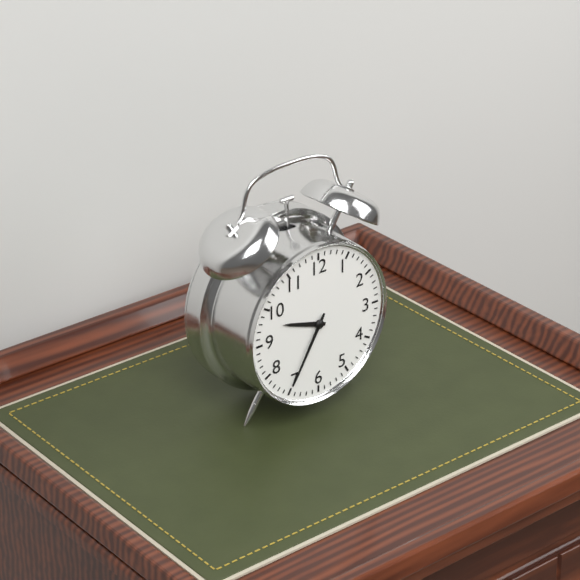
9:35
